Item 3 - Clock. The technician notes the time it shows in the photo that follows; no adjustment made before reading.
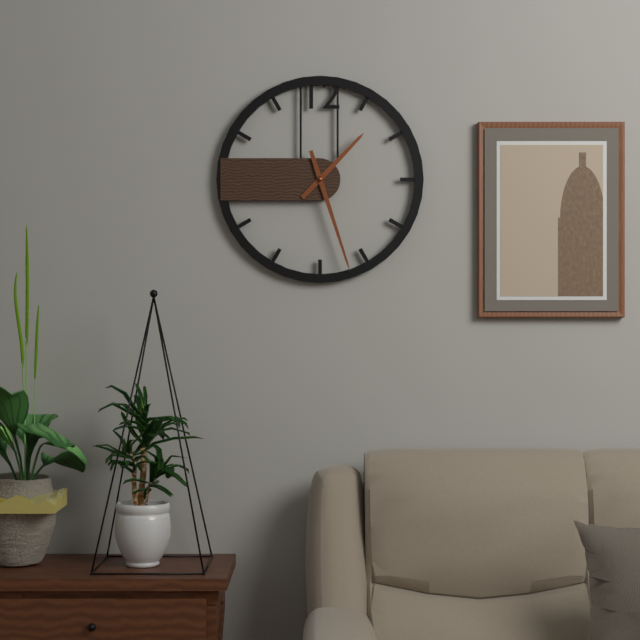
1:27
